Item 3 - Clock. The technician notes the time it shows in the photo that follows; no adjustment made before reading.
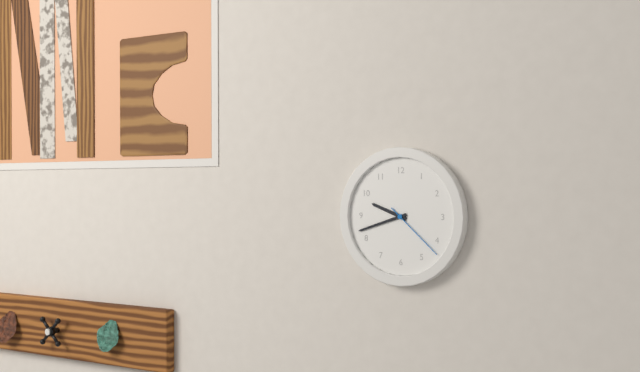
9:42:22
